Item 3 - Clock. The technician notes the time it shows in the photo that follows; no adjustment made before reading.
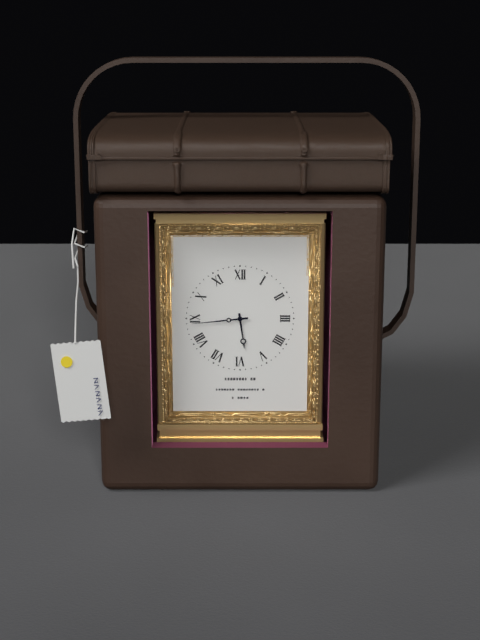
5:44
